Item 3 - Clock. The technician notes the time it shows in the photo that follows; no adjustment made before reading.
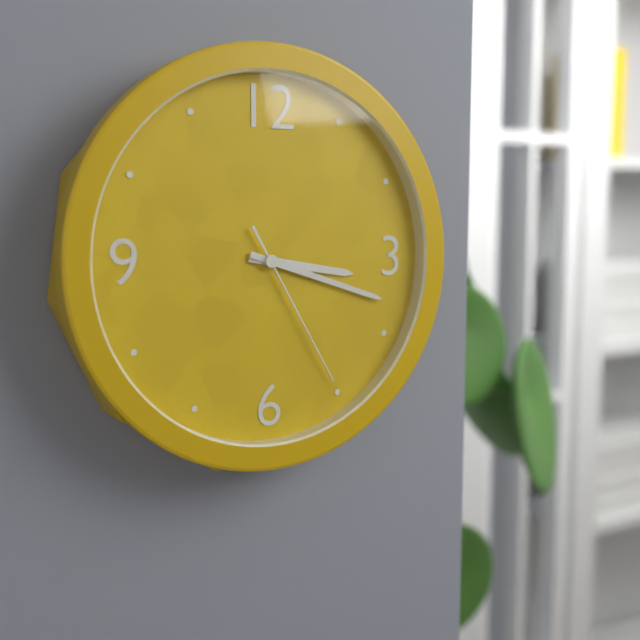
3:18:25
